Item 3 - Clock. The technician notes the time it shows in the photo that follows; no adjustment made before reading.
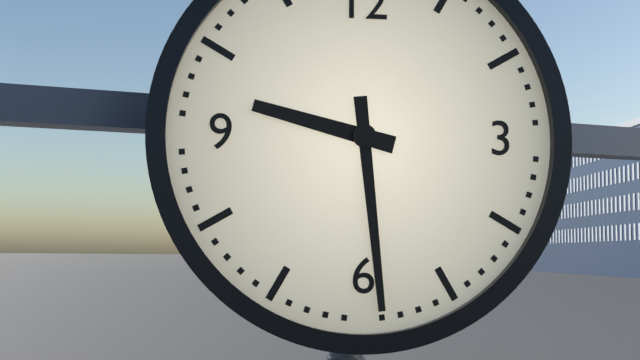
9:29
